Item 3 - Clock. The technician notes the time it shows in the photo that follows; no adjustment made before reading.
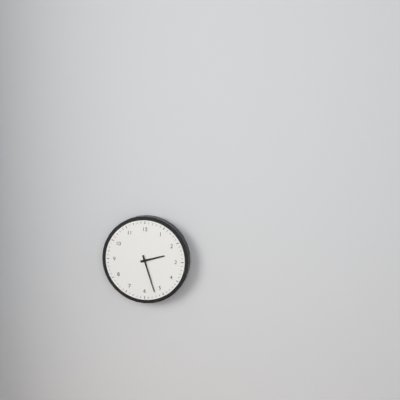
2:27
